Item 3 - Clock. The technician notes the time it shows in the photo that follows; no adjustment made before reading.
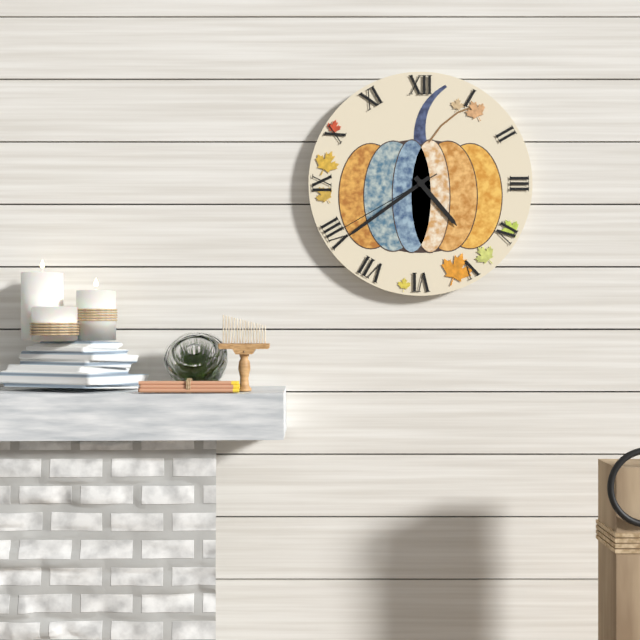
4:39:40
